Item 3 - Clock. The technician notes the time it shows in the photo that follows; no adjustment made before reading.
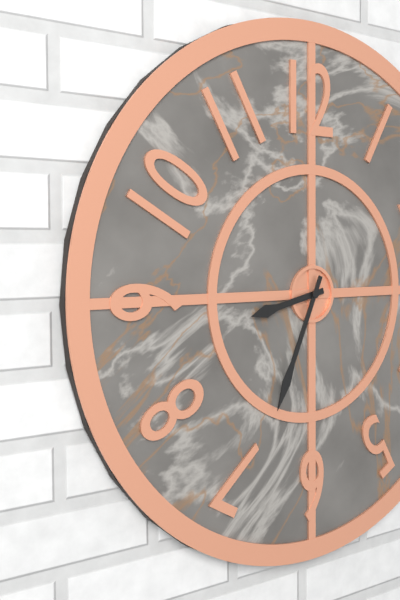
8:34
